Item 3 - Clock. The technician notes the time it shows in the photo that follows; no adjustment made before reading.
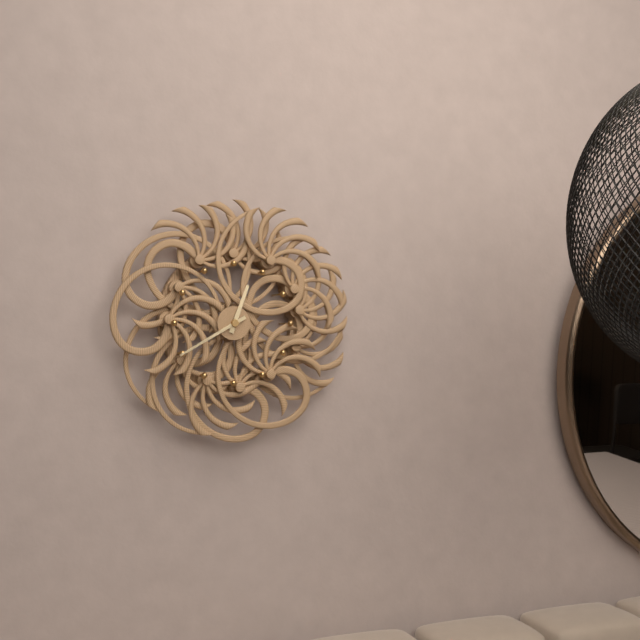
12:40
